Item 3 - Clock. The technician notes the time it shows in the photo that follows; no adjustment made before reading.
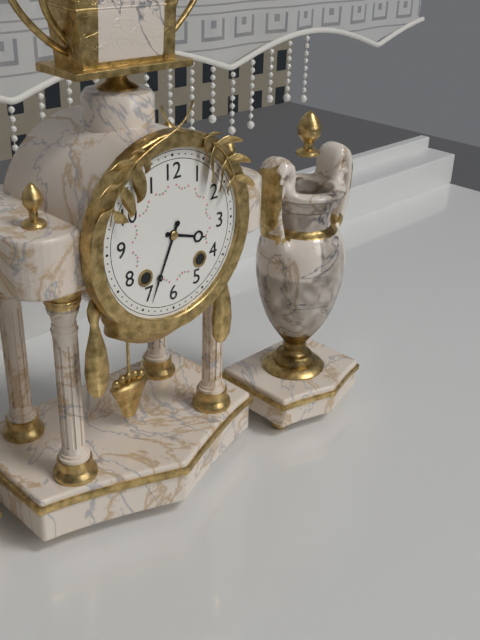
3:34
